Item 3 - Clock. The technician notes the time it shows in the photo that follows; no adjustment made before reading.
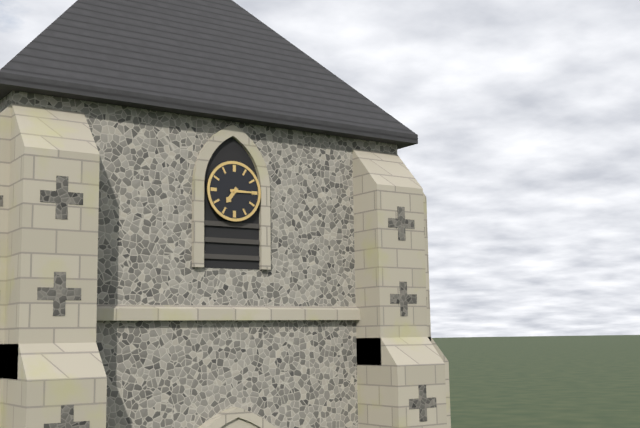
7:15
